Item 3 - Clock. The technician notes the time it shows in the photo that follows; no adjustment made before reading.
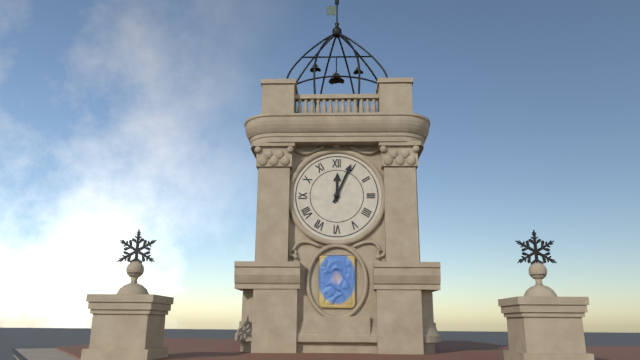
12:04
